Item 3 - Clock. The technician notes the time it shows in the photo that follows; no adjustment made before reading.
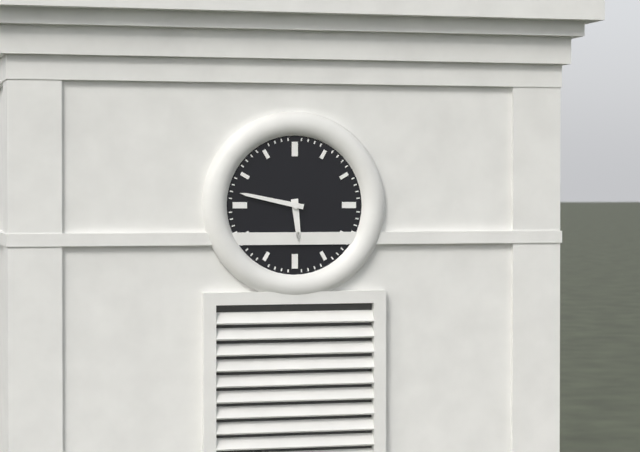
5:47
